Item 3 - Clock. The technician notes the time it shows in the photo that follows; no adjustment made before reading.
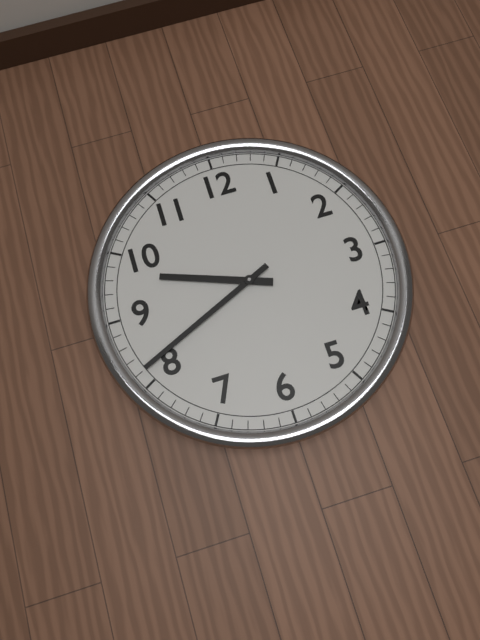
9:41
